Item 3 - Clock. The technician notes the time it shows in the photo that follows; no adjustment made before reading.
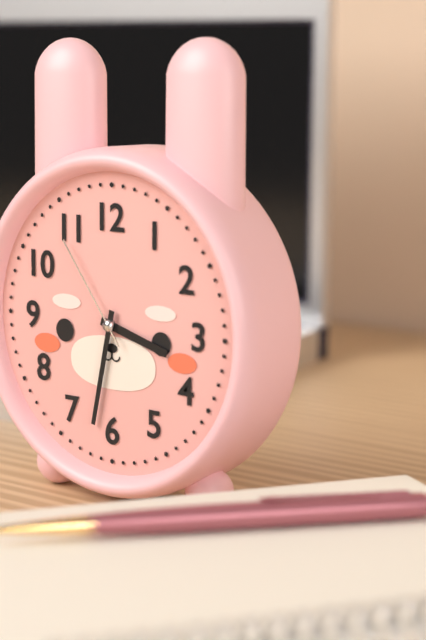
3:32:54
